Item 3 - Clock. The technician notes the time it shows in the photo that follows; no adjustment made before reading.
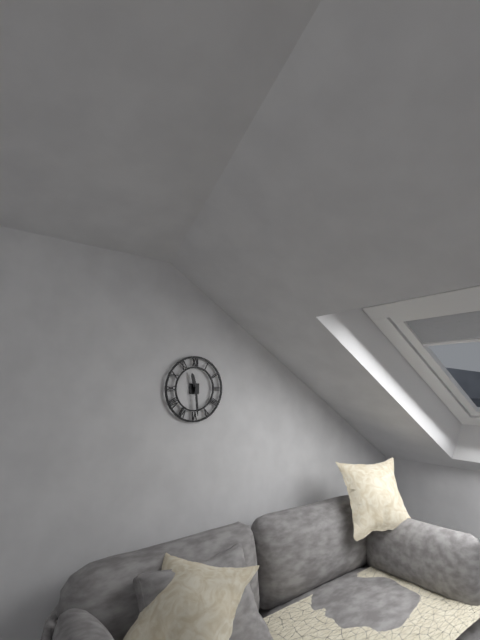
11:29
